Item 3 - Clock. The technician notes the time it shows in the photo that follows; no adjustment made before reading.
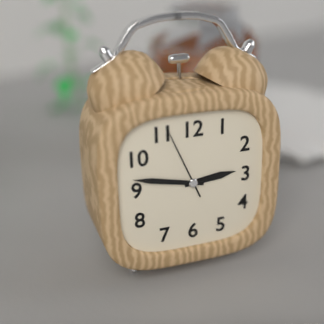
2:47:56
